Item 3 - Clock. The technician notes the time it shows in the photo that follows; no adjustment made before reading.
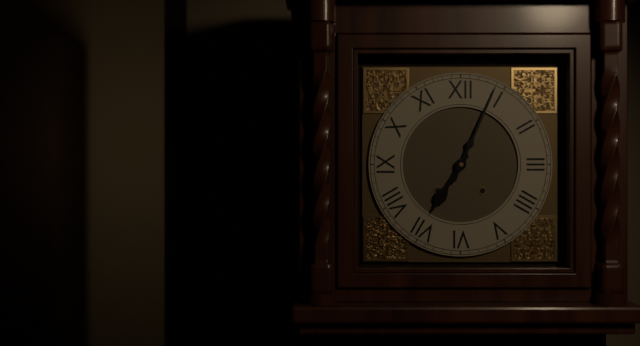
7:04
